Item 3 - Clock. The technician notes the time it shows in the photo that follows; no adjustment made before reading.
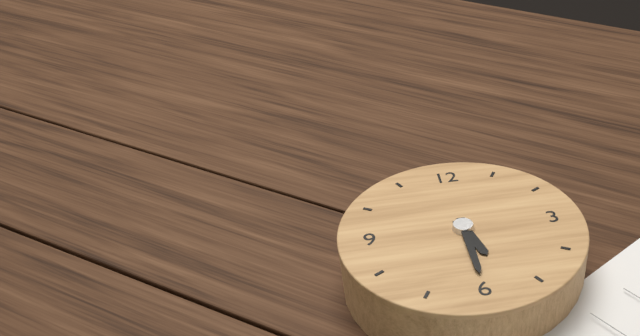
5:30
